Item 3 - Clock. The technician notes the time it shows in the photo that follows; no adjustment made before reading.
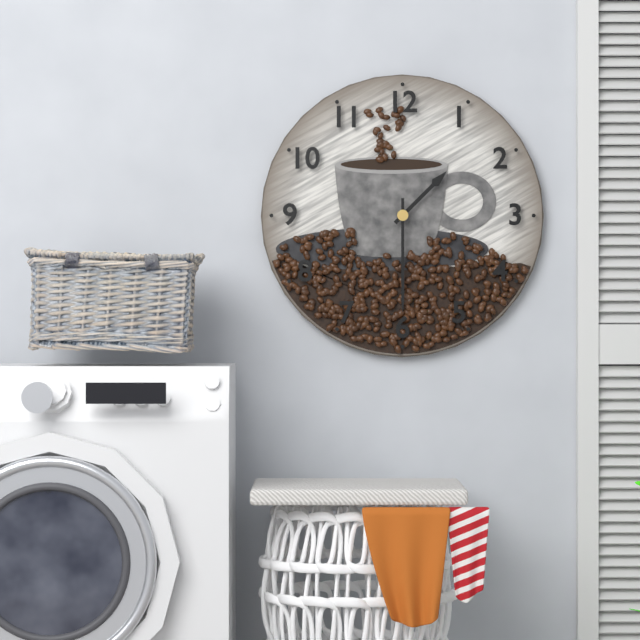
1:30
